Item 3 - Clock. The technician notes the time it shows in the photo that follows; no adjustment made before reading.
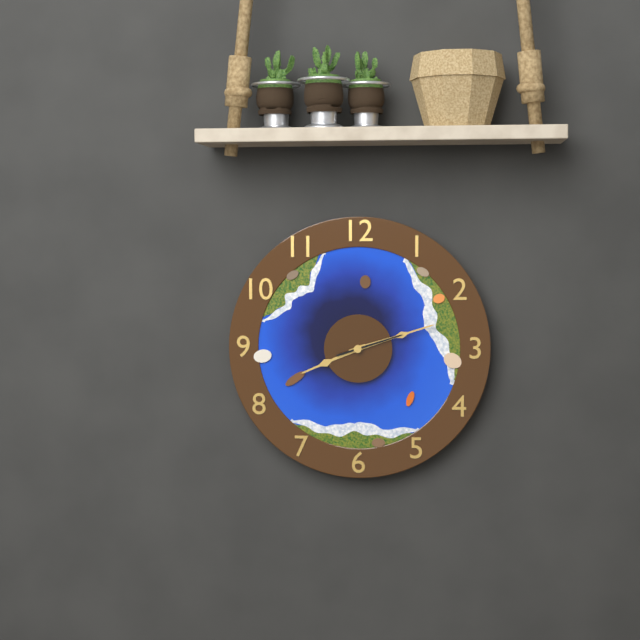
8:12:12
